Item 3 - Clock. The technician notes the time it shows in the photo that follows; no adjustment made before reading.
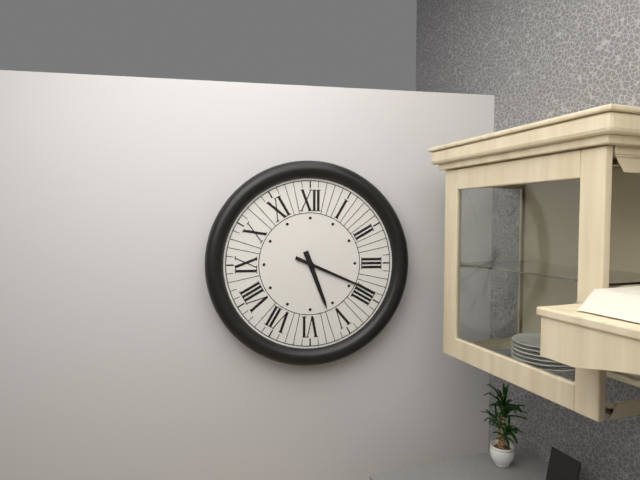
5:19
